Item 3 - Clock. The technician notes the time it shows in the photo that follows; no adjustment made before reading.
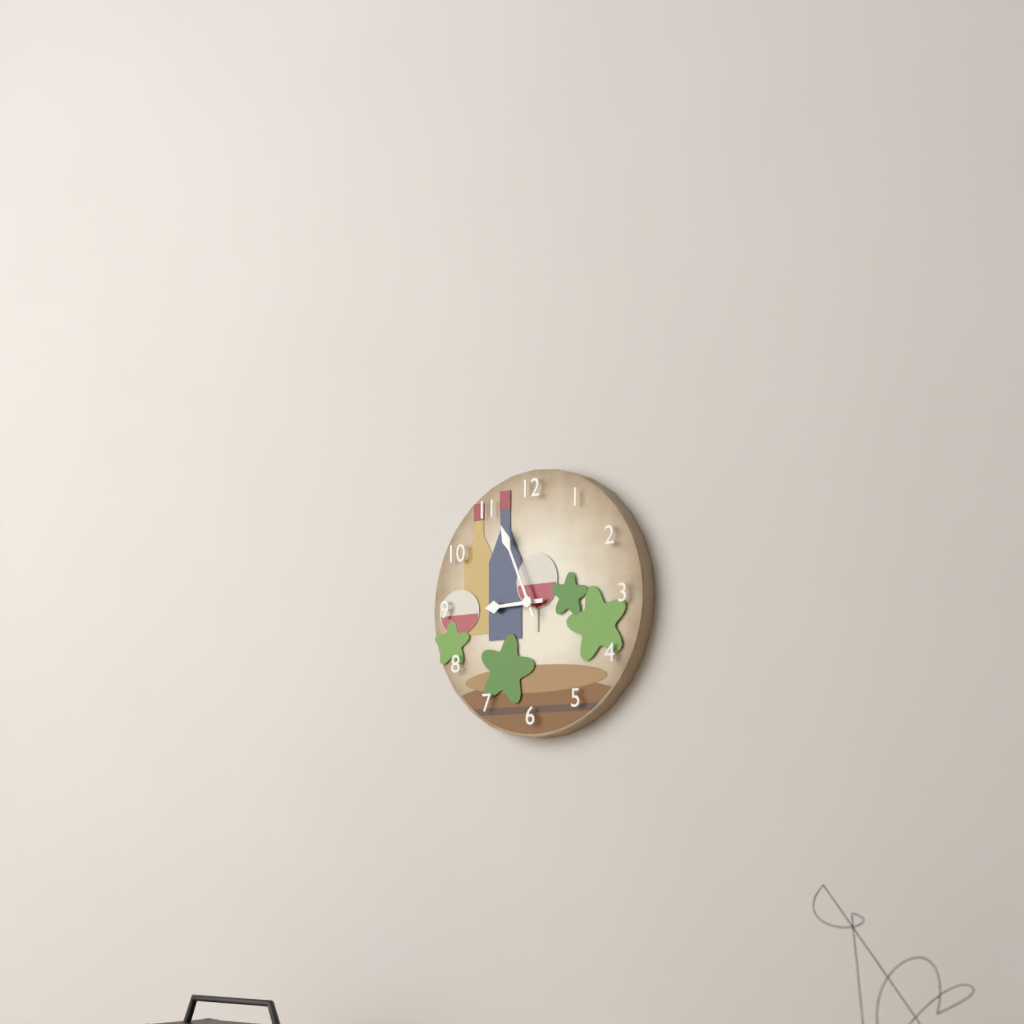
8:56
